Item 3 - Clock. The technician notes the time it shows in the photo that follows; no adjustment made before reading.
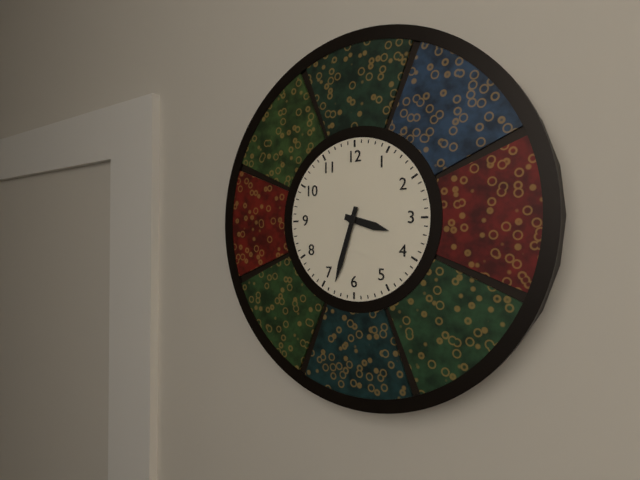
3:33
